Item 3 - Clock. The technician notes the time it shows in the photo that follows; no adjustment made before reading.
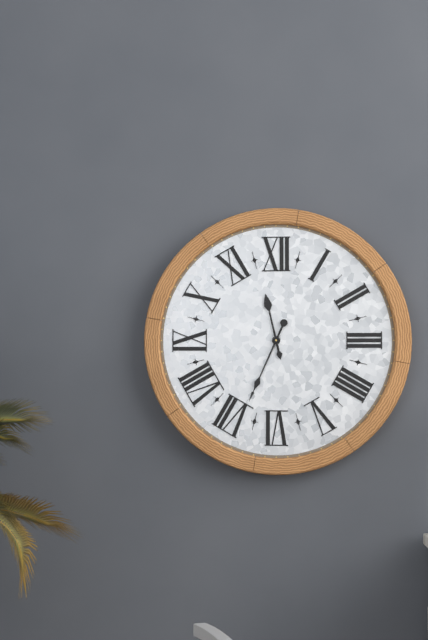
11:34
